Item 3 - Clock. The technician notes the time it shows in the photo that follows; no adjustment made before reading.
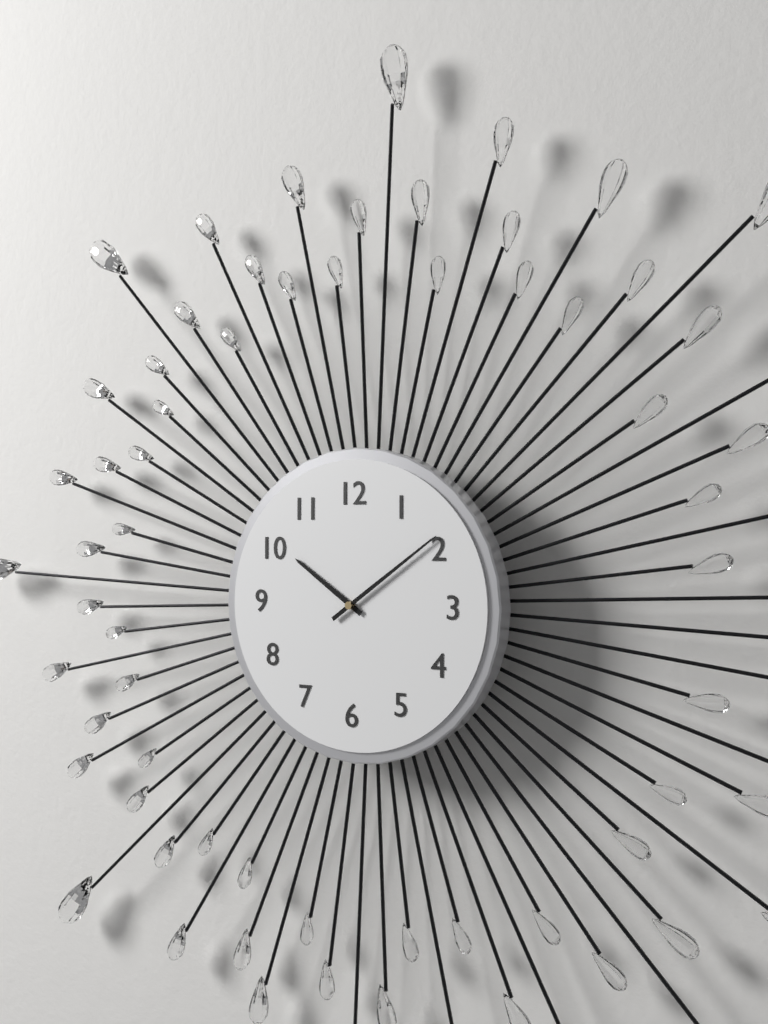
10:09
